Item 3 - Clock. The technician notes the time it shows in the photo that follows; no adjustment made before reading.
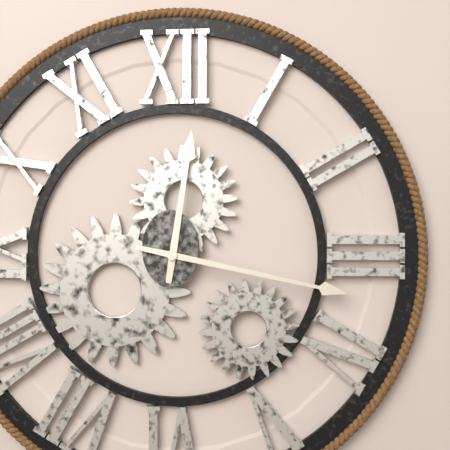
12:17
